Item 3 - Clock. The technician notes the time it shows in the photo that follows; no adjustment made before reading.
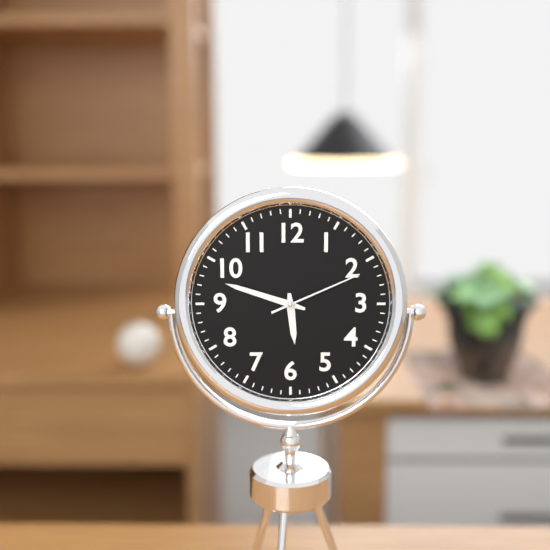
5:48:11
